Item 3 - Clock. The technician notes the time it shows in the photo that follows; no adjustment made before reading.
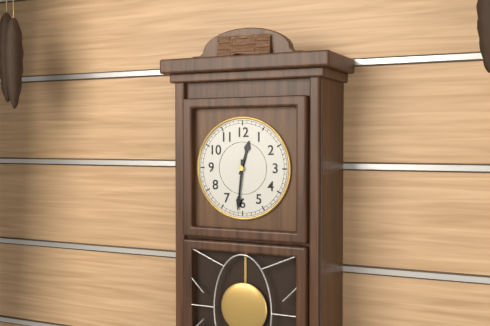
12:31
